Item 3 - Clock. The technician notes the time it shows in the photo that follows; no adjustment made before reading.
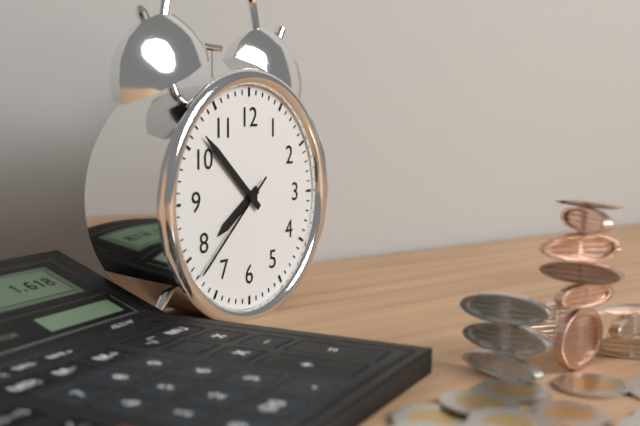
7:52:38
